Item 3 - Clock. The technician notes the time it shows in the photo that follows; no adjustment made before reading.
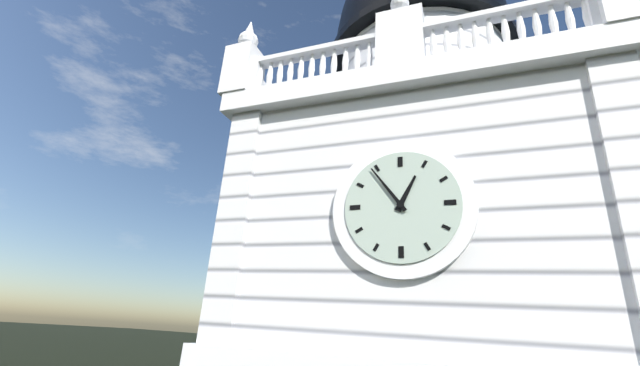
12:54
